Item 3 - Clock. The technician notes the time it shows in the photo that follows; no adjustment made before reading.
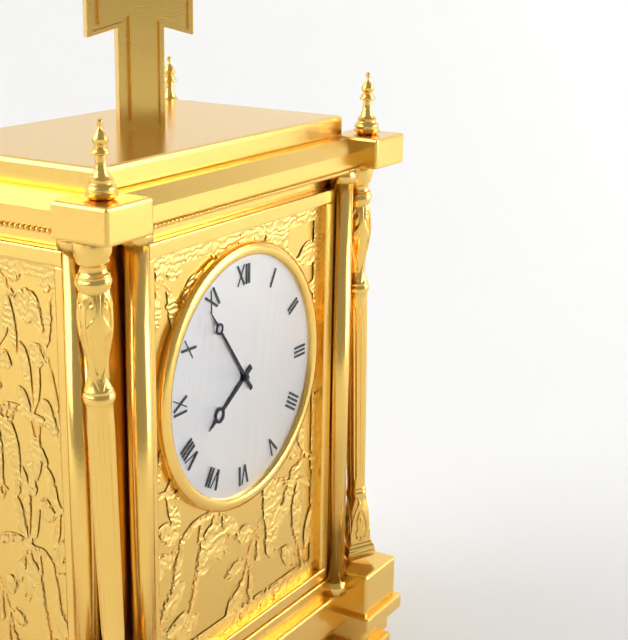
7:54
